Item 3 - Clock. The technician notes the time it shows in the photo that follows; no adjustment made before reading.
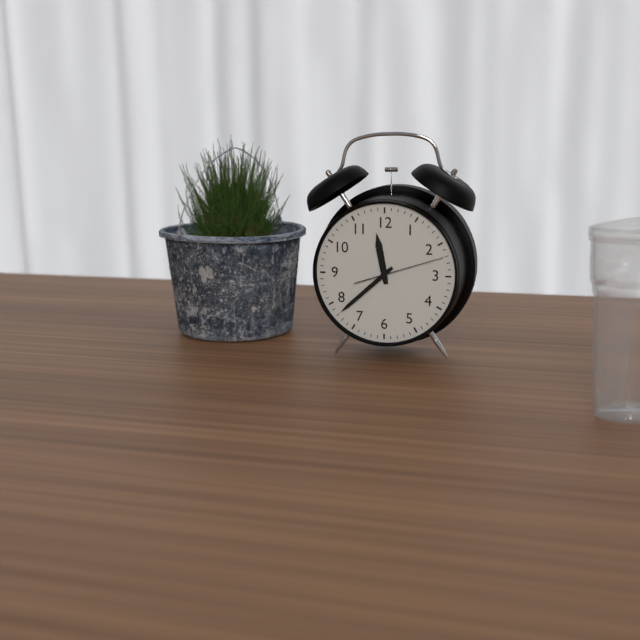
11:38:12
